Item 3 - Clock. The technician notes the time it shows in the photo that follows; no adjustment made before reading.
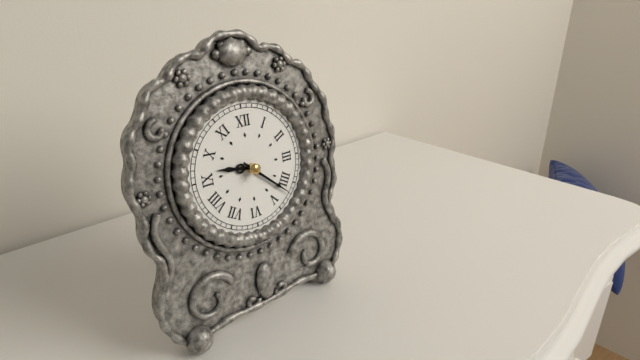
9:22
